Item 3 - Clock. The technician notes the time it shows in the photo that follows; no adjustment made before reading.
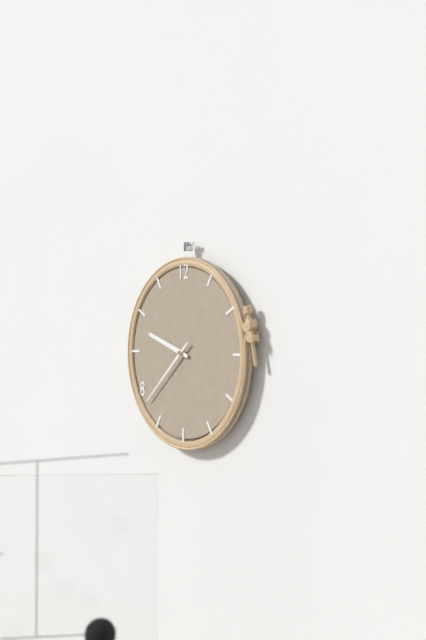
9:38
